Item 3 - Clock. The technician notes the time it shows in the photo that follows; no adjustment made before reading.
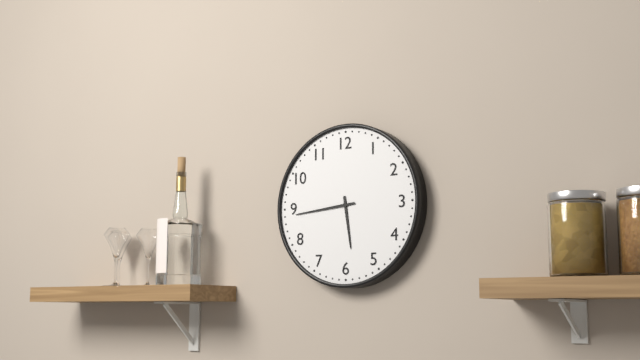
5:44
